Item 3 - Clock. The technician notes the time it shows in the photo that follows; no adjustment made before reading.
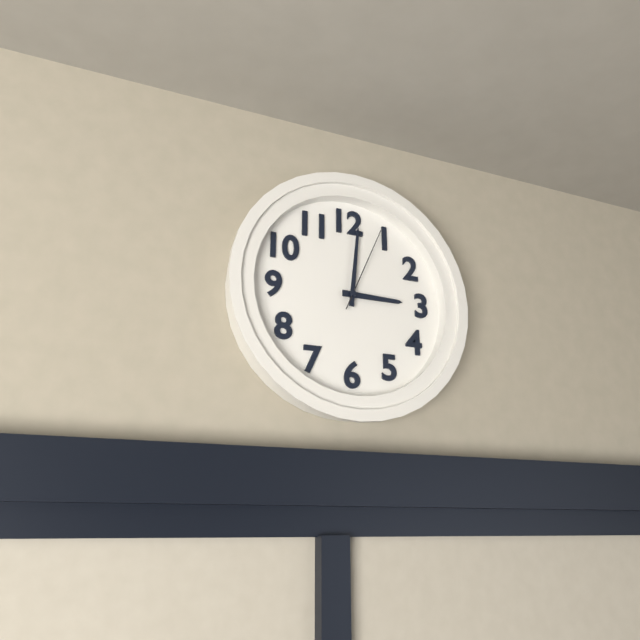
3:01:04
